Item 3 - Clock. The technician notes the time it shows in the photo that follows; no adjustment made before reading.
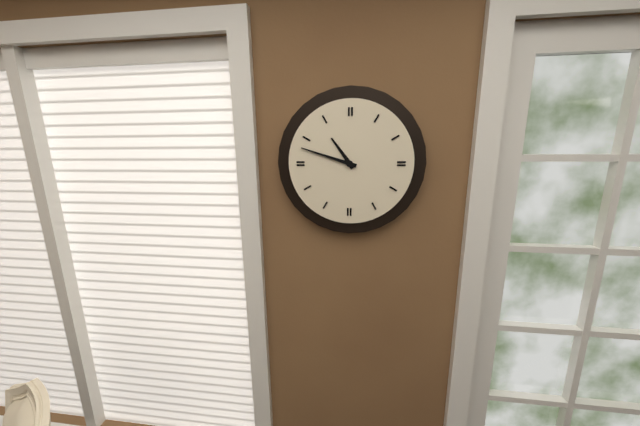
10:48
